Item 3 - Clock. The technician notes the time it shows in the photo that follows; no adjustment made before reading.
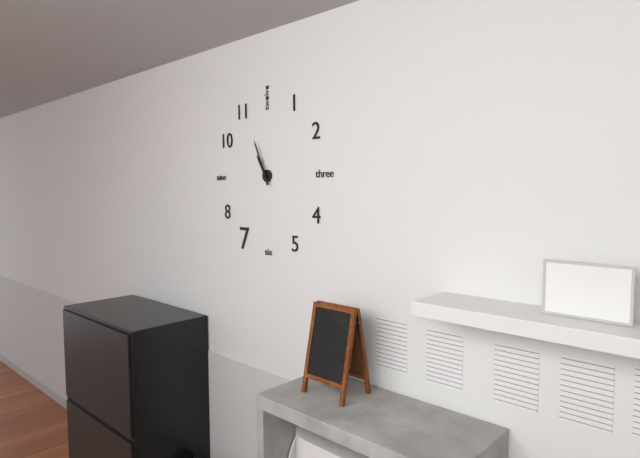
10:56
